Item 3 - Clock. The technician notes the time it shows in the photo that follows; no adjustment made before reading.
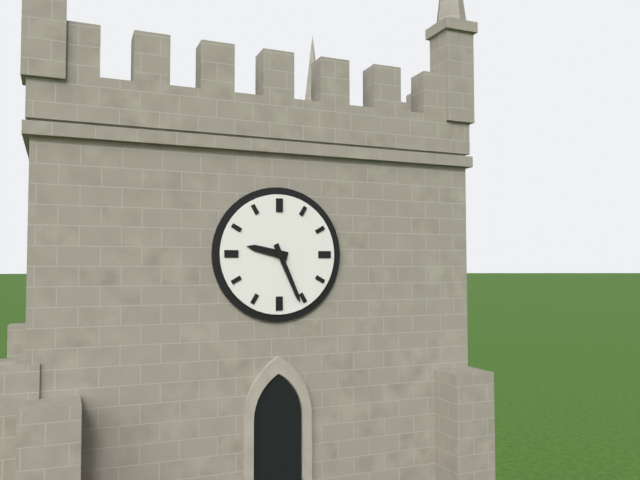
9:26
